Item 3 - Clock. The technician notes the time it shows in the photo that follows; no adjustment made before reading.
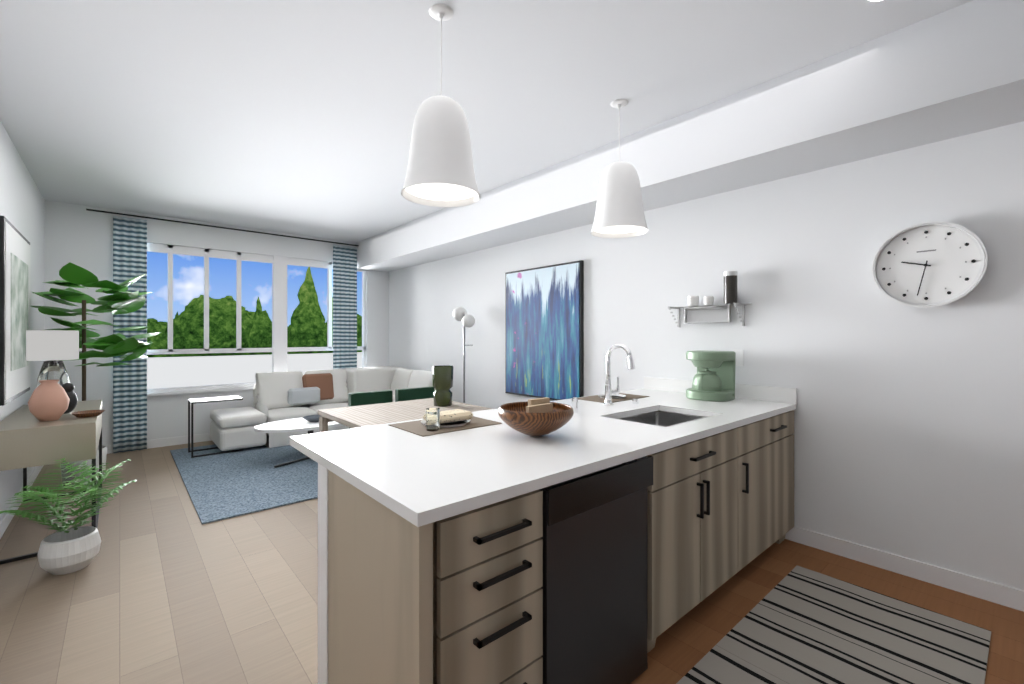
9:32
